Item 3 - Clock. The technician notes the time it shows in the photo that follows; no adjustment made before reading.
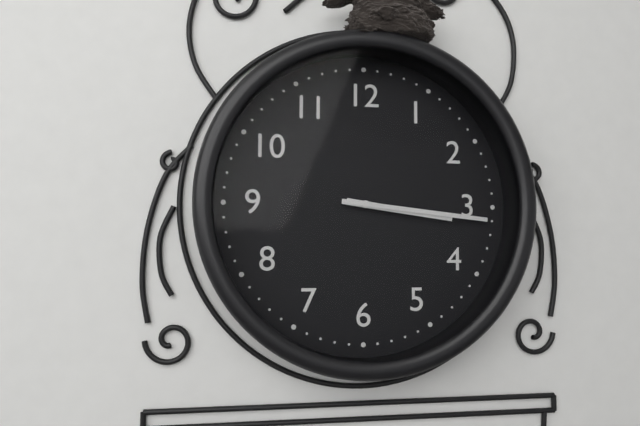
3:16
